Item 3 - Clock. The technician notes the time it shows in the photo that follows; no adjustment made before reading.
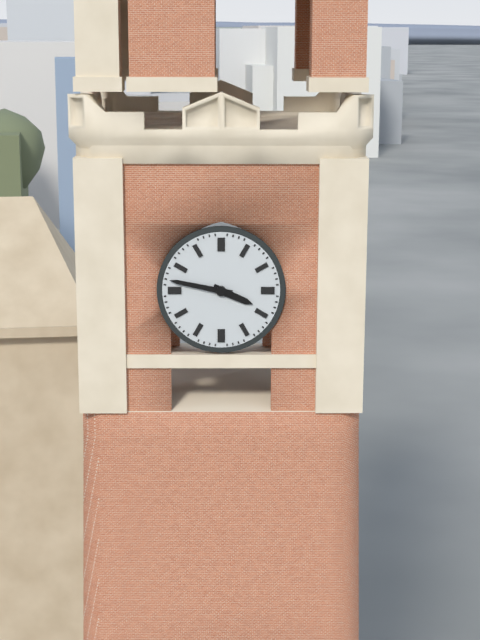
3:47
